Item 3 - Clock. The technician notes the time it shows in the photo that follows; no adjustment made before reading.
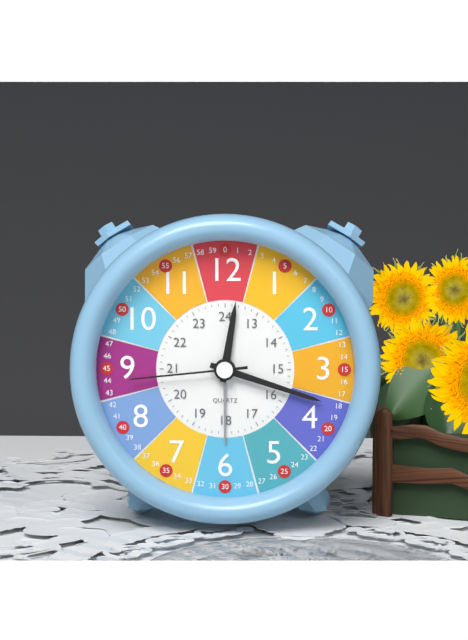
12:18:44
